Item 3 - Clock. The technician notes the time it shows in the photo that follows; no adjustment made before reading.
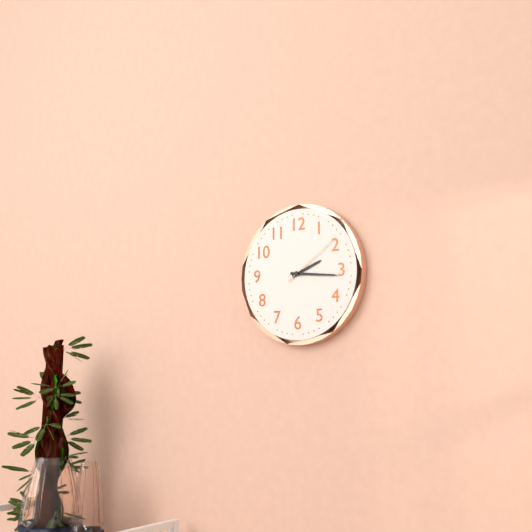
2:16:09
